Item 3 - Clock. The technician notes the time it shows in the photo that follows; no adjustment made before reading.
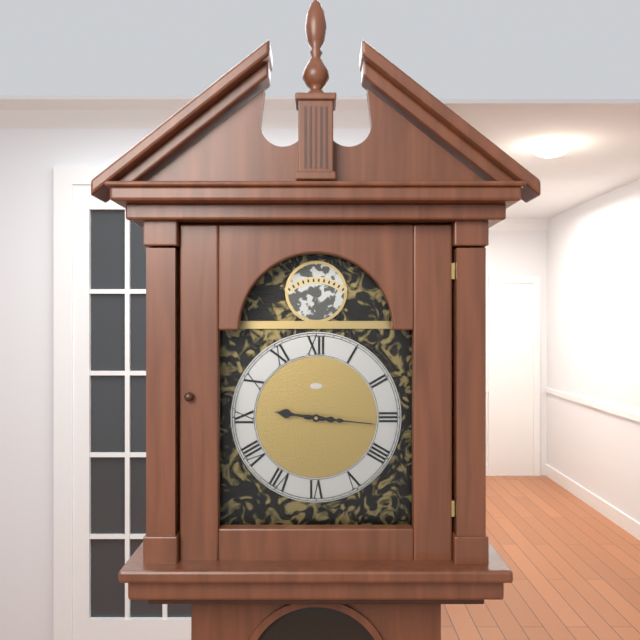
9:16
